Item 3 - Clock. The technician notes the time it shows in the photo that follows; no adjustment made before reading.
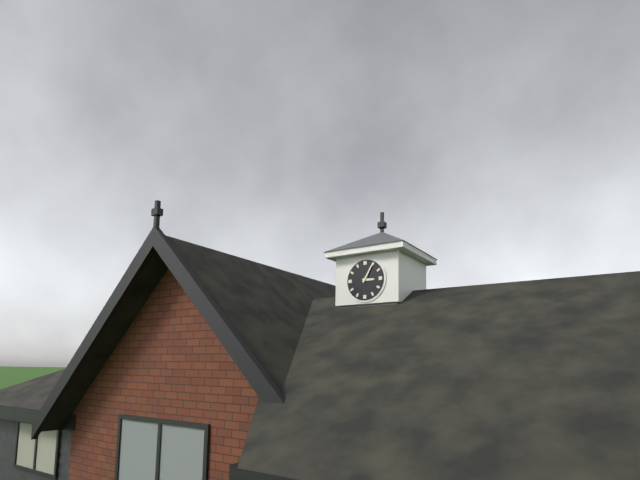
3:05
